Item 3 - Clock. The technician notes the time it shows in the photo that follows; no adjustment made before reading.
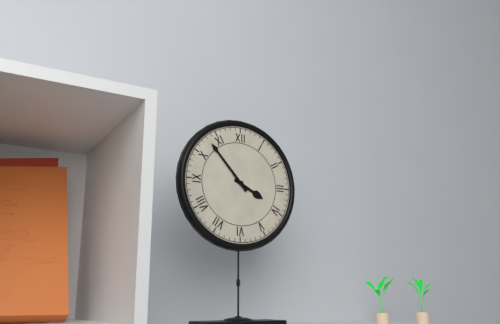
3:53
